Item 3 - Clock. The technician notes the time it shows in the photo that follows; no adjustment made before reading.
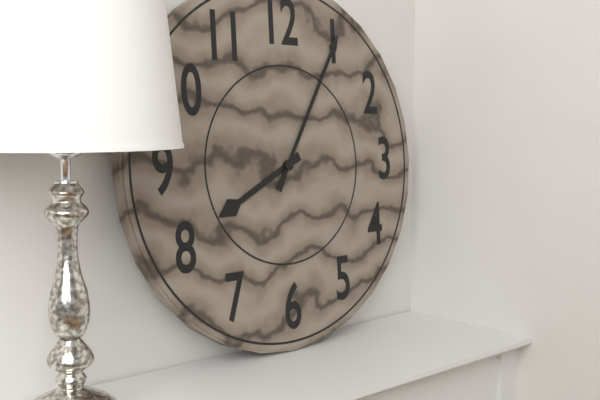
8:05
